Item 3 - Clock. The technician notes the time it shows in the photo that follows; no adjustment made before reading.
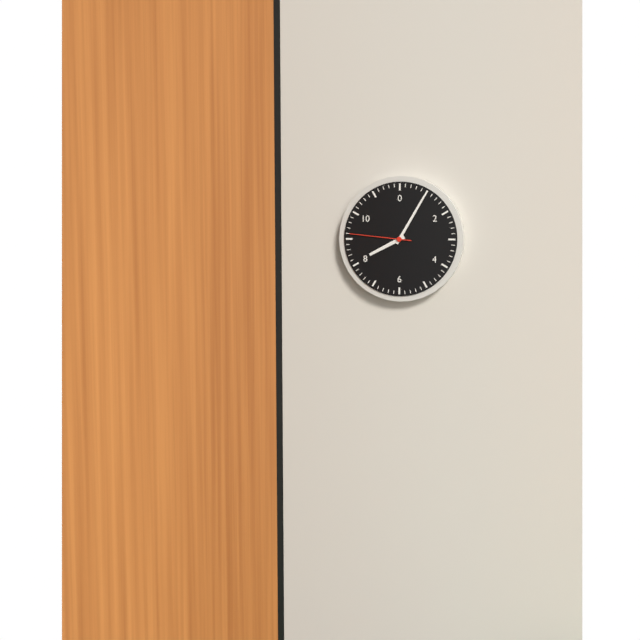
8:05:46
